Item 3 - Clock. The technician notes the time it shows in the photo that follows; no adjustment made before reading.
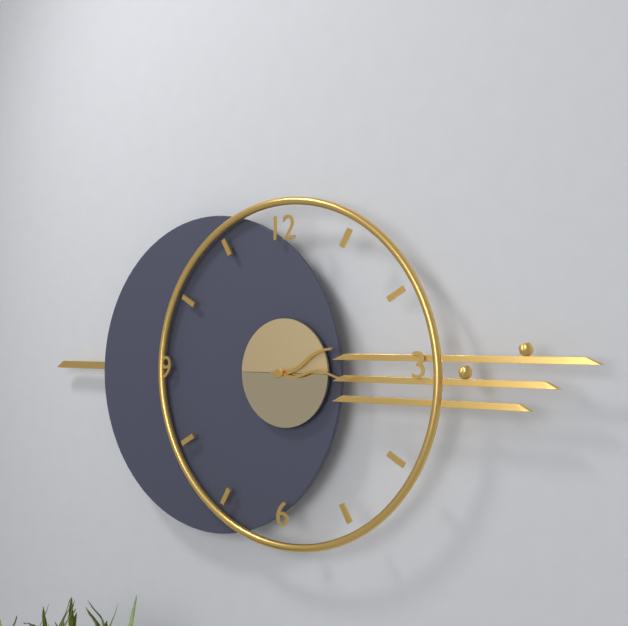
2:15
